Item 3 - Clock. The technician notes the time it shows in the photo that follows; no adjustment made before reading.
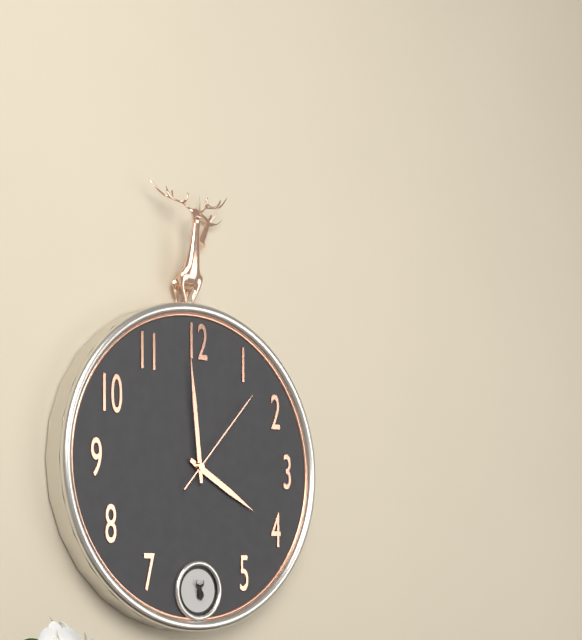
3:59:07
